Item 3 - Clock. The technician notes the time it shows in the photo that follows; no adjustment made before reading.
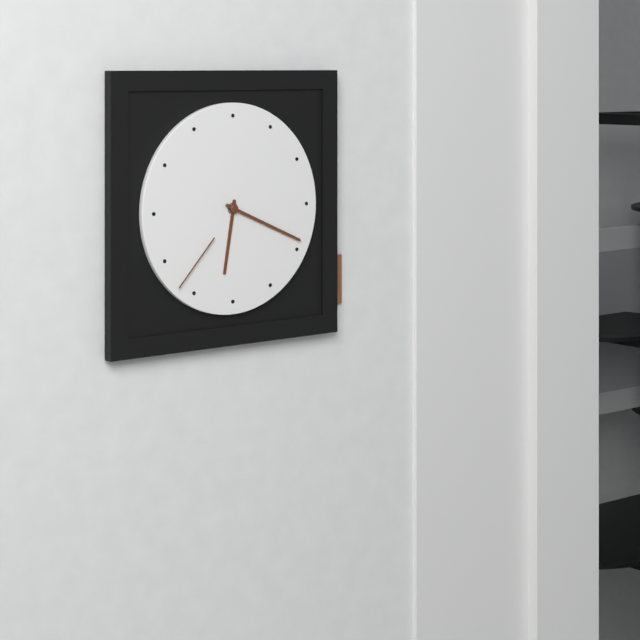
6:19:37
